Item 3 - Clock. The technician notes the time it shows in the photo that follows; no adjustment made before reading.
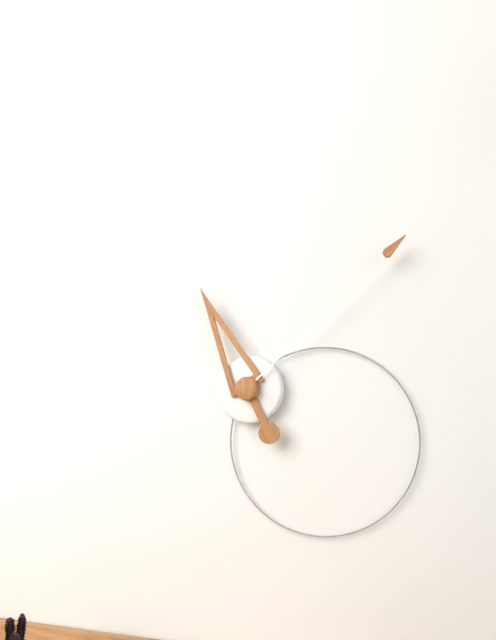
11:08
